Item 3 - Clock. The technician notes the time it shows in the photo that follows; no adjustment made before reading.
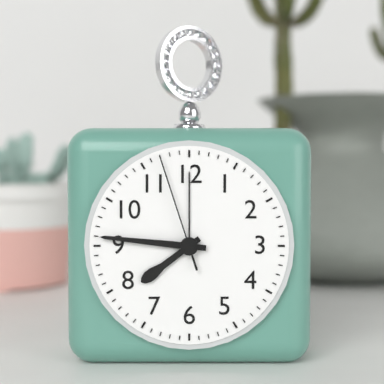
7:46:57
